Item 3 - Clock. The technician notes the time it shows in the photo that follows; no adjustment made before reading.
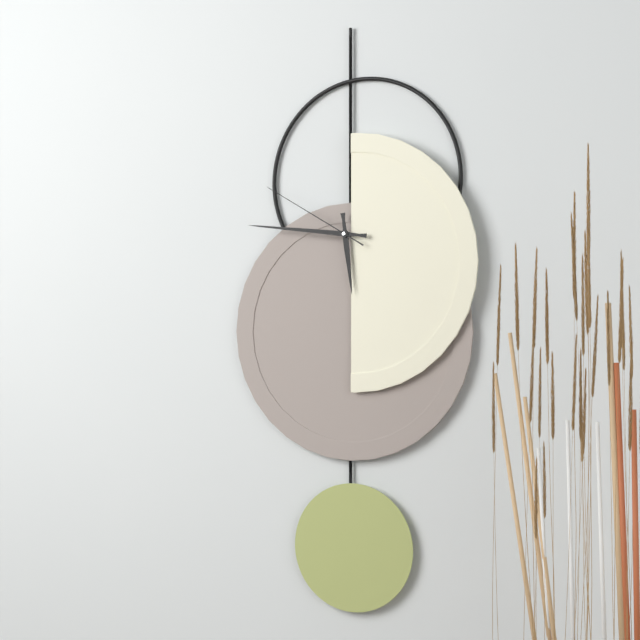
5:46:50
